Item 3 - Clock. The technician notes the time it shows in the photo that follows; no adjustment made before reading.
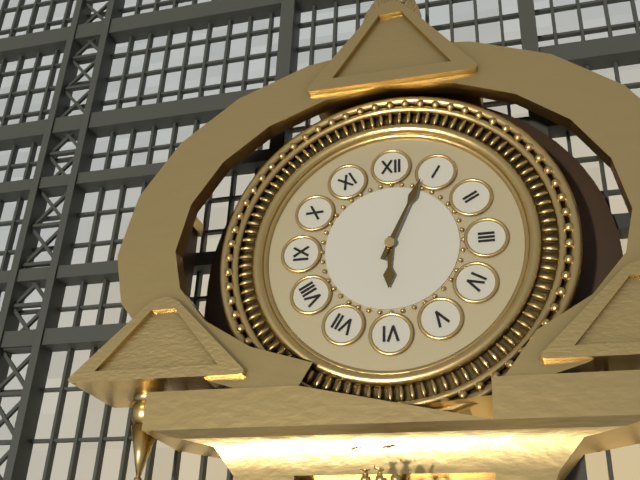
6:04
